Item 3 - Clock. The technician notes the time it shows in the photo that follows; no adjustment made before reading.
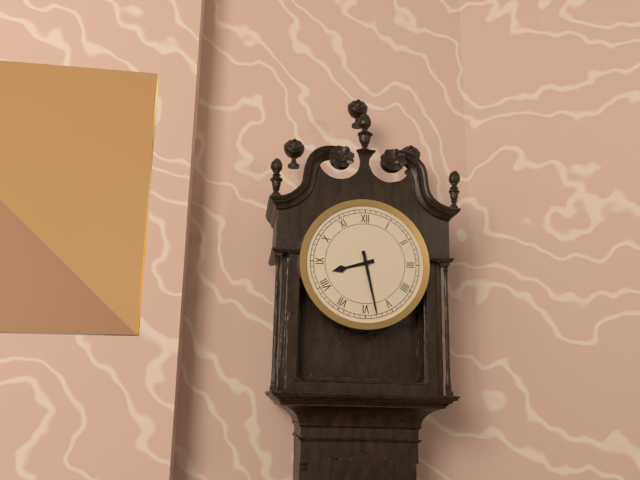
8:28
